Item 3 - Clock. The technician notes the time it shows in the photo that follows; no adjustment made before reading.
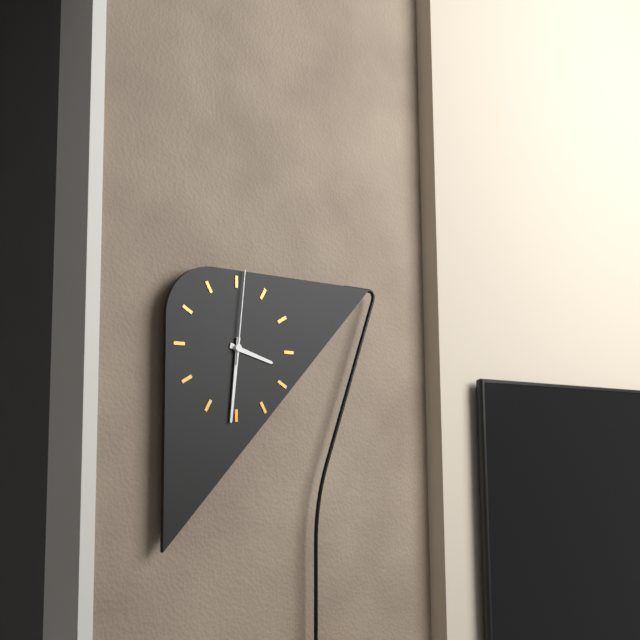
3:31:01
